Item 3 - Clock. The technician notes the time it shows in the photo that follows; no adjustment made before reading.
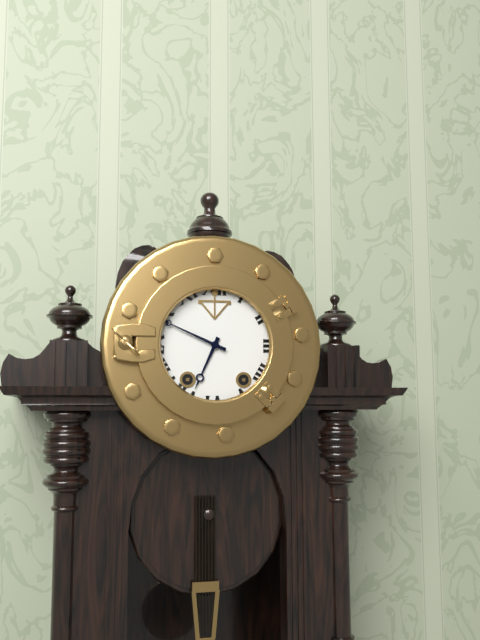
6:49
